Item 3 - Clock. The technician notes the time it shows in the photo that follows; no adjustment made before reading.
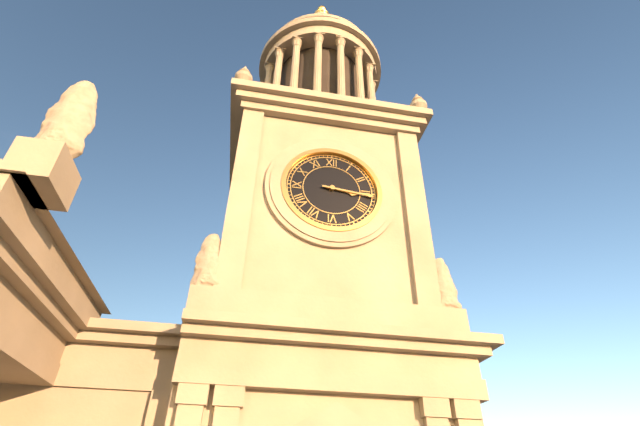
3:16
